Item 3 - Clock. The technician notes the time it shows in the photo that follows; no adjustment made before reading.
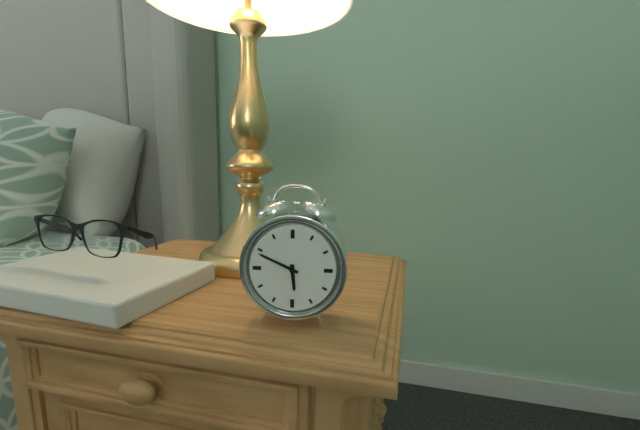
5:49
